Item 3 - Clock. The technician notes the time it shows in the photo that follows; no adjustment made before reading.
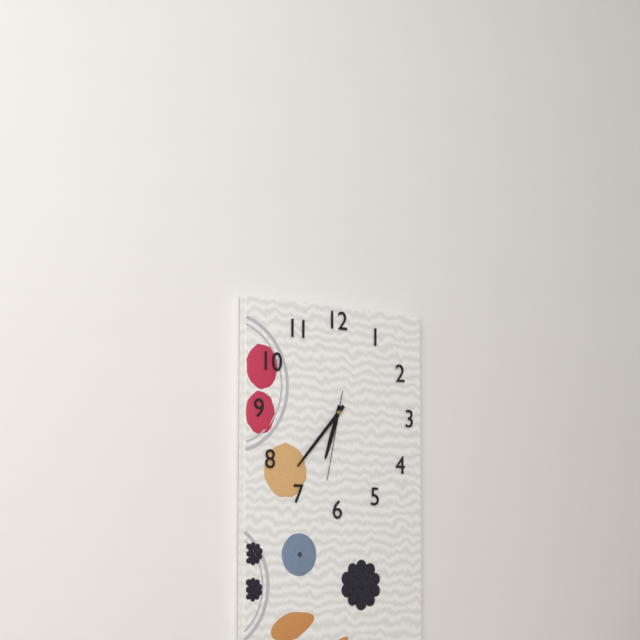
6:37:32
